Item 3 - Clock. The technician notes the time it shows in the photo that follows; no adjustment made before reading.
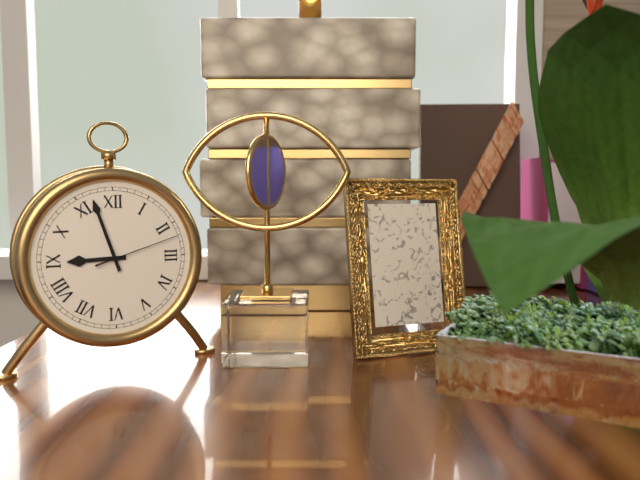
8:57:12
